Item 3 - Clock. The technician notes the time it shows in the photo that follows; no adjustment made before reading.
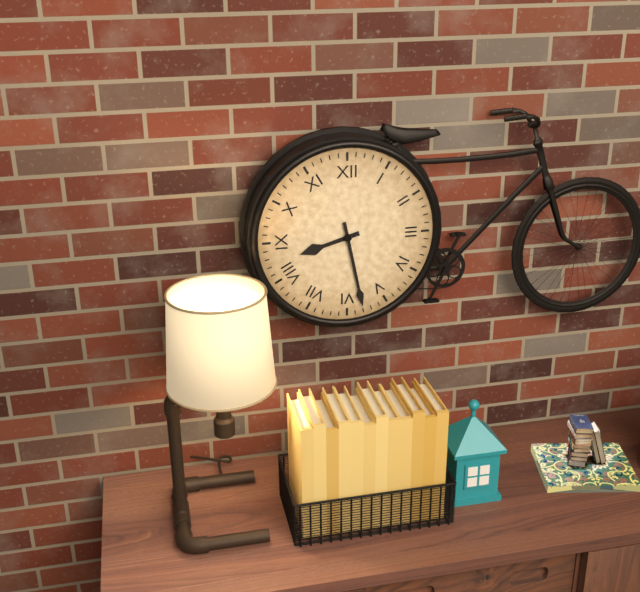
8:28
